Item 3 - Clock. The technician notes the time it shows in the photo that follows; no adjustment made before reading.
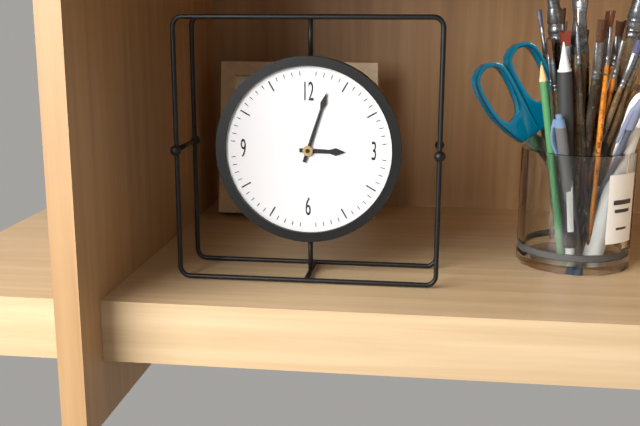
3:03
